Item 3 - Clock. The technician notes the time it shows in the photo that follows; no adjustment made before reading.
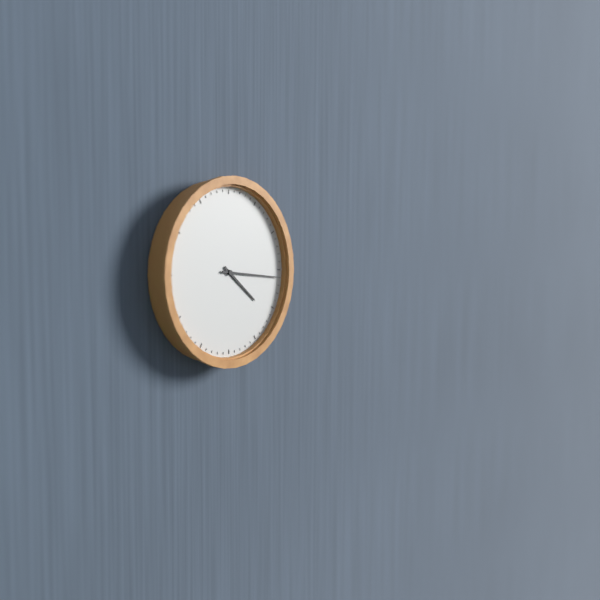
4:16
